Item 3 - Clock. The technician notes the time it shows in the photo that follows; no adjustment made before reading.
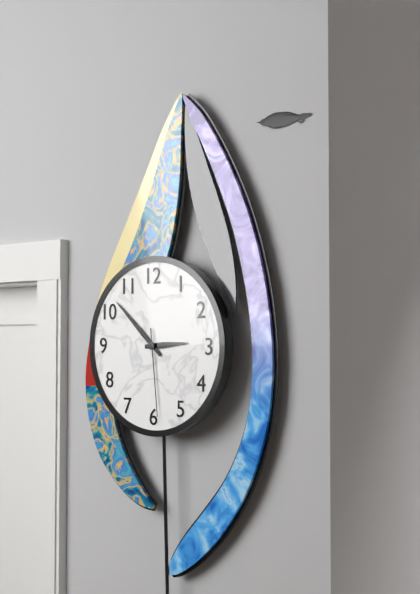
2:52:29
